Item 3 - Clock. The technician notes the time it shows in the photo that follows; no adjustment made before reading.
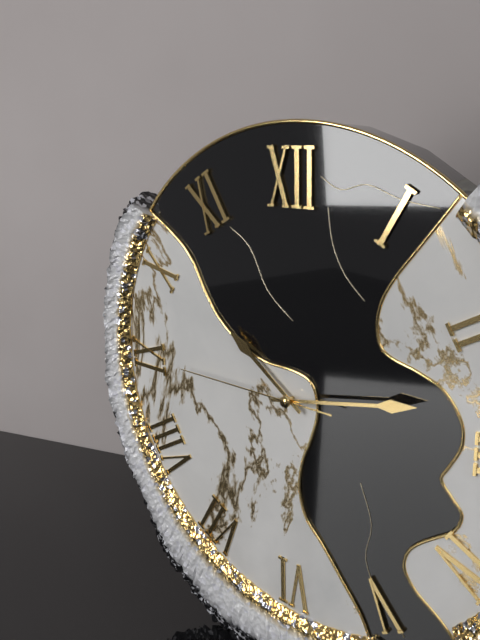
10:13:45
